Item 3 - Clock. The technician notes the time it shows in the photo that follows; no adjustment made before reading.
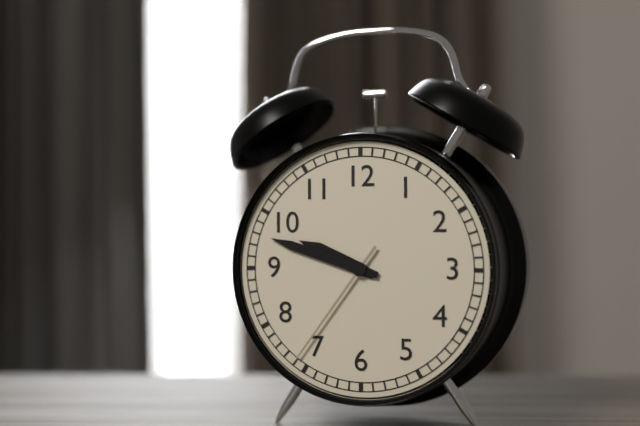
9:48:36
